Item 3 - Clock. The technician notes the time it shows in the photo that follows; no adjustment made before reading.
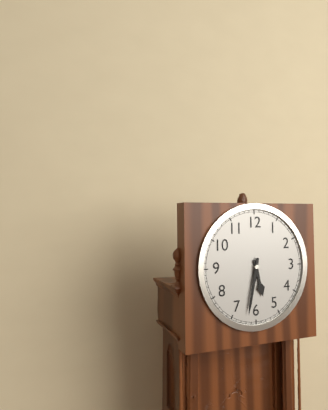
5:32
